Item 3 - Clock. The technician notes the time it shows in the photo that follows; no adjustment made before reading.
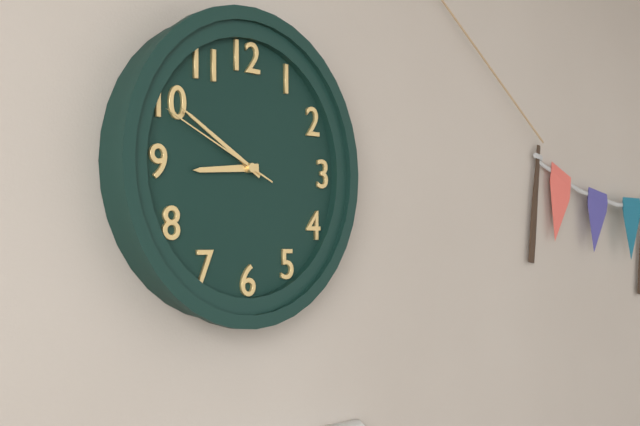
8:50:49
